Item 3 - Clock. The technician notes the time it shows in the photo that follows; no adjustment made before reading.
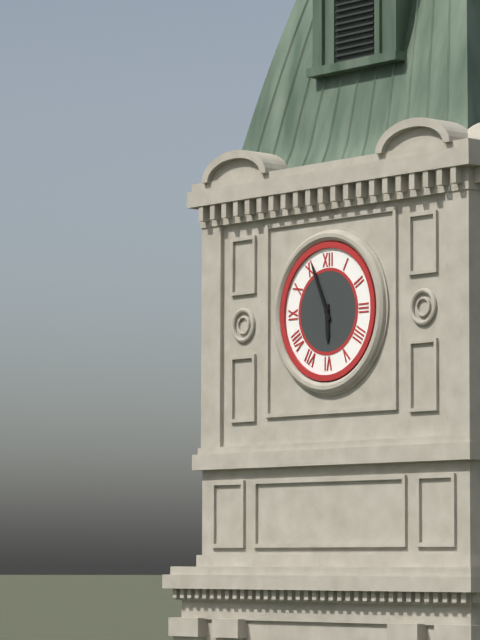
5:56
